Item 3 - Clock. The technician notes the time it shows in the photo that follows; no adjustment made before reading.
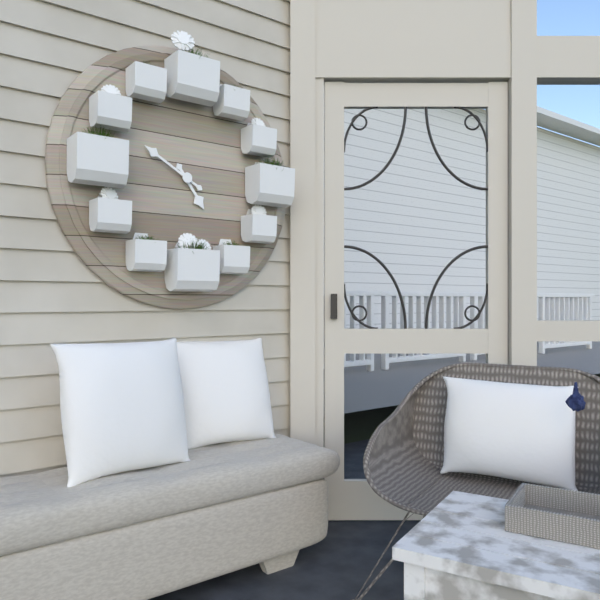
4:50
